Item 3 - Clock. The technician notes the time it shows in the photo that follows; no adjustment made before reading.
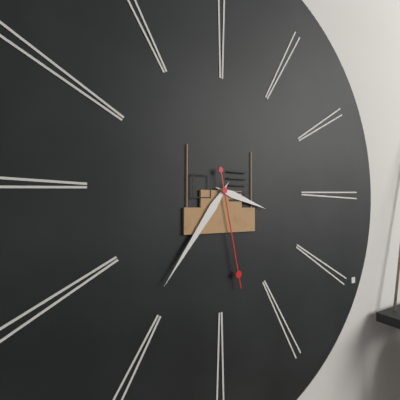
3:36:28
